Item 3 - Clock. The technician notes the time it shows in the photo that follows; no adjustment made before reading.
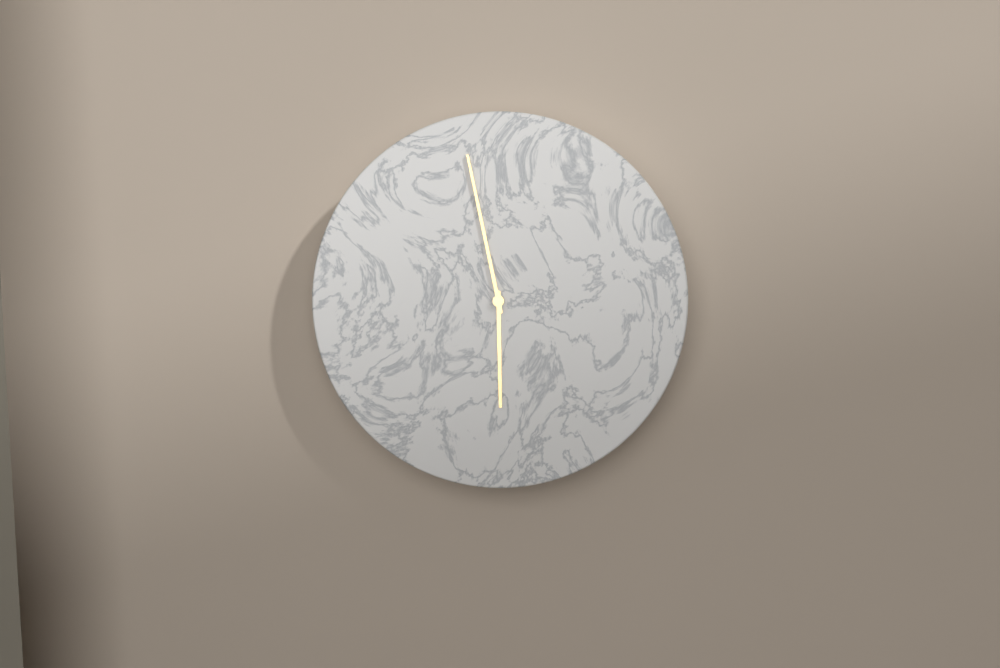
5:58
